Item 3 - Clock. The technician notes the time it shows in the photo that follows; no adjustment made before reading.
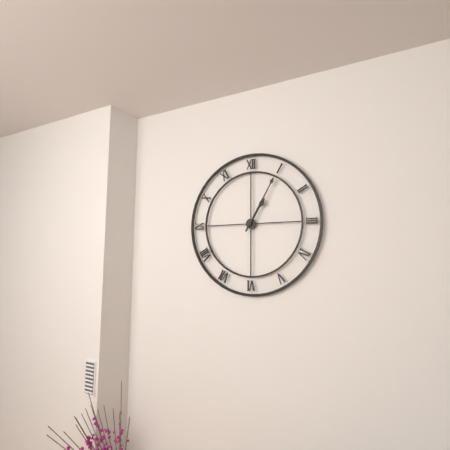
1:05
